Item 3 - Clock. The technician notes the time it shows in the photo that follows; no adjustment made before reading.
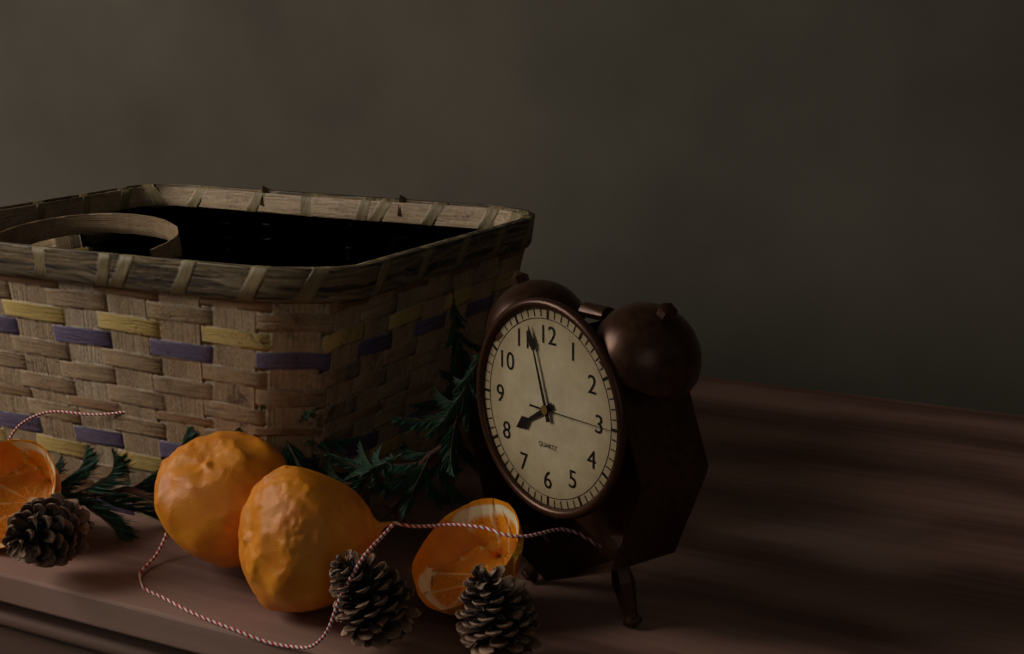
7:57:15
